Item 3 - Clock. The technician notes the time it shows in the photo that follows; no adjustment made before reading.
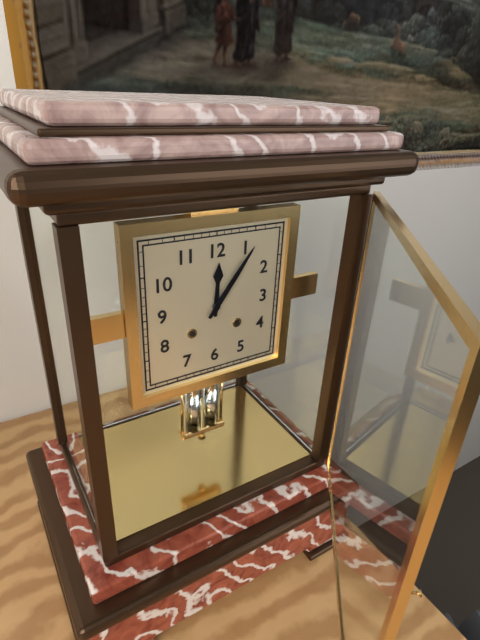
12:06
